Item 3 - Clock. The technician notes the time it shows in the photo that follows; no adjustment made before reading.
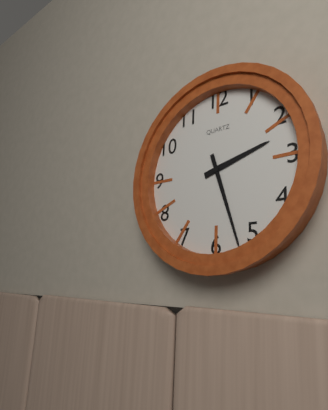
2:27
